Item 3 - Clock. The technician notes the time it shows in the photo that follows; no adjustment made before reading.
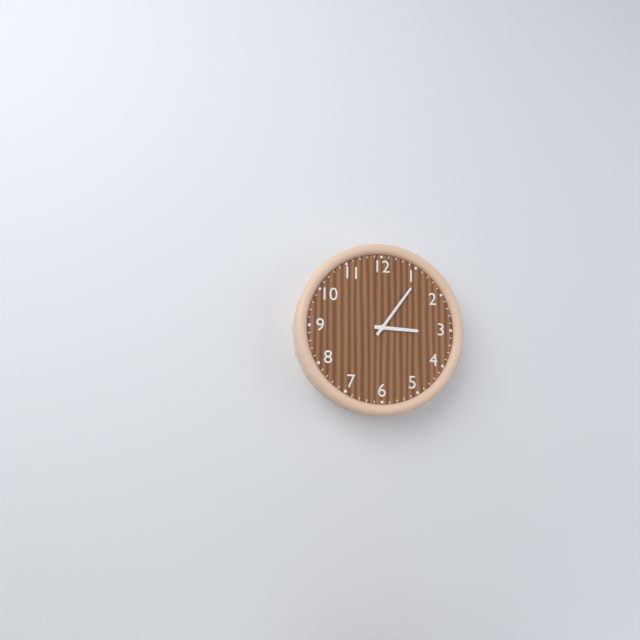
3:06
